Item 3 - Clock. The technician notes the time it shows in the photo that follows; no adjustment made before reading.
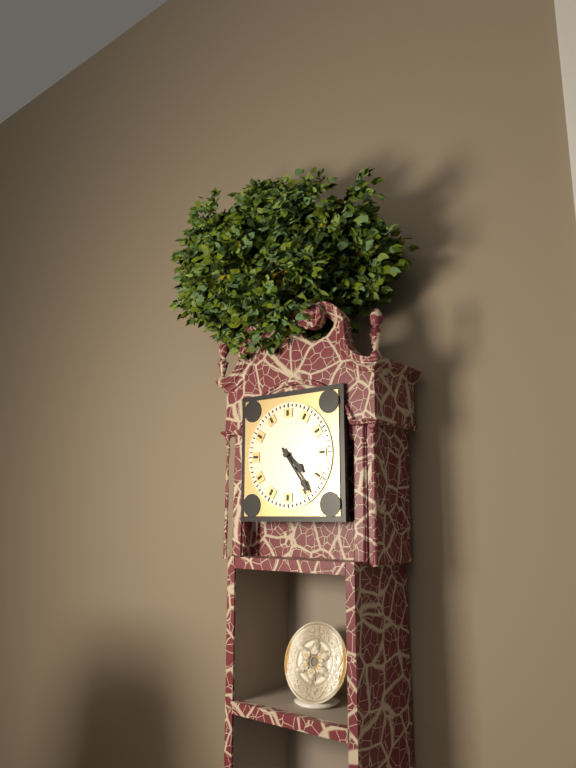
4:24
